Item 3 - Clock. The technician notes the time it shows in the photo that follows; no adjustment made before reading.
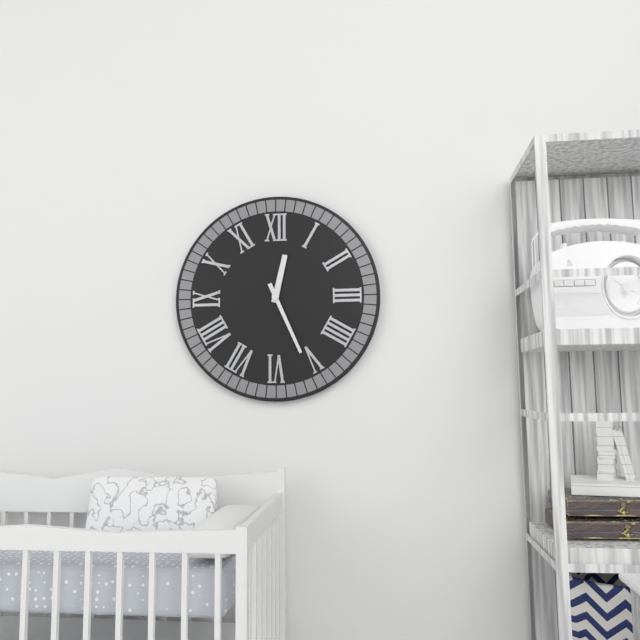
12:26
